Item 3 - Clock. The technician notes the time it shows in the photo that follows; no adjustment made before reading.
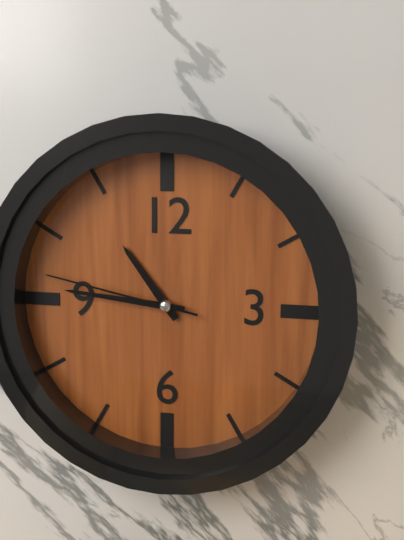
10:46:47
